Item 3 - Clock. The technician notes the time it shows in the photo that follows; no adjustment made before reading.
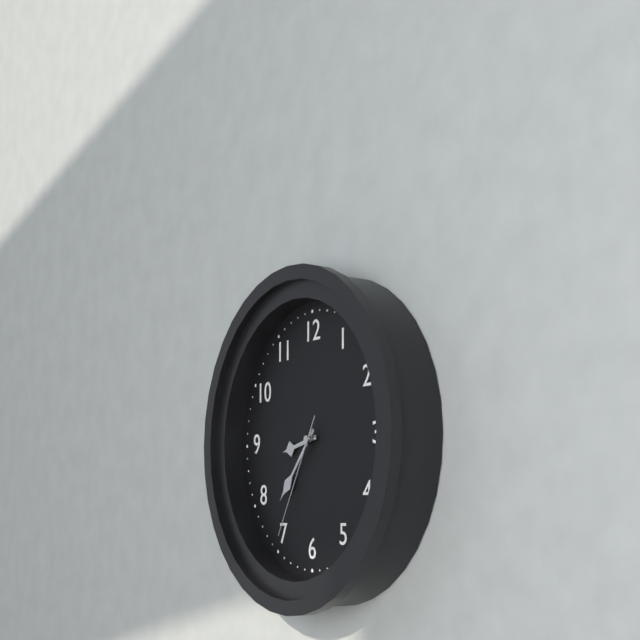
8:37:35
